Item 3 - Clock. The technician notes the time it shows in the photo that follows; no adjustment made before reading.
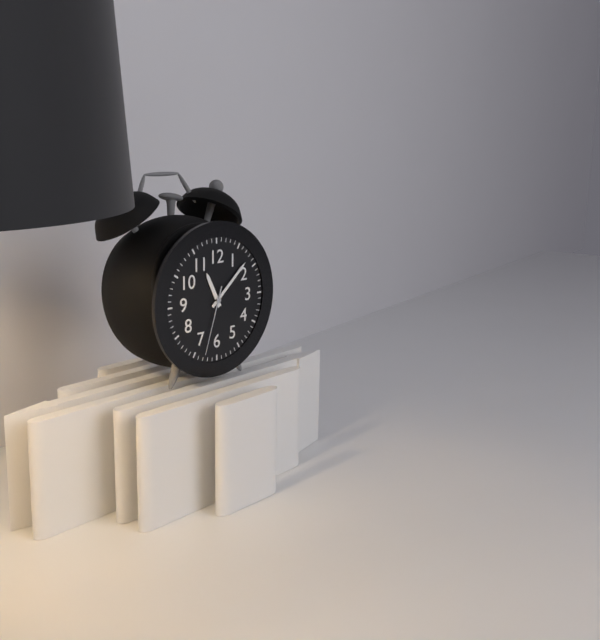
11:08:33
